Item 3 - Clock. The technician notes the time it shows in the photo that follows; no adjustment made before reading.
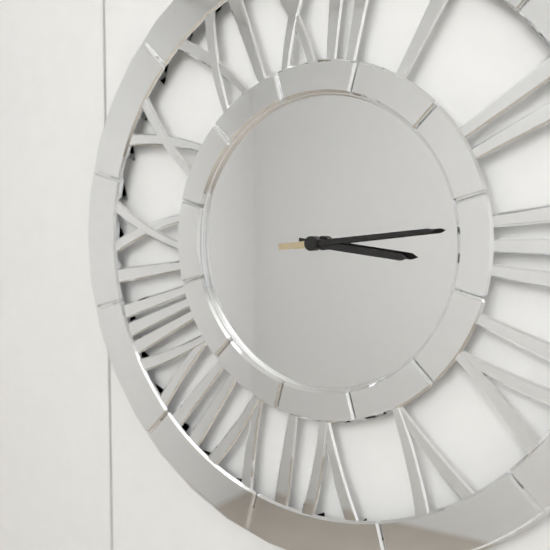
3:14
